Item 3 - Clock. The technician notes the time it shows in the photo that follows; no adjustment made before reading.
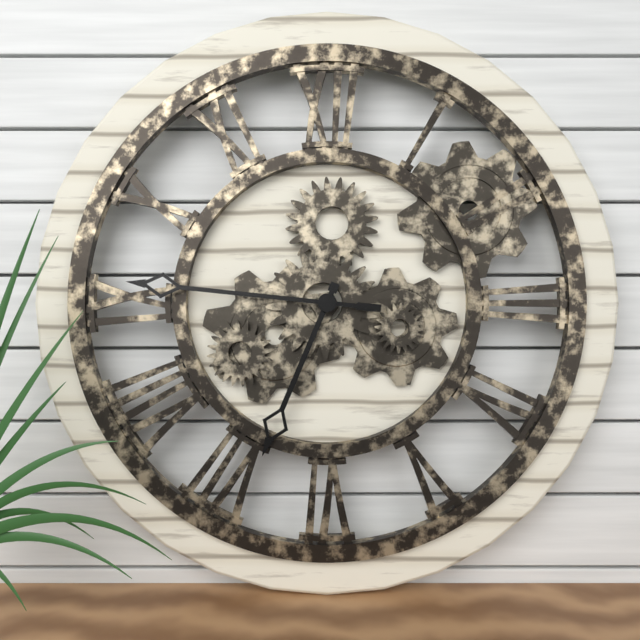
6:46
